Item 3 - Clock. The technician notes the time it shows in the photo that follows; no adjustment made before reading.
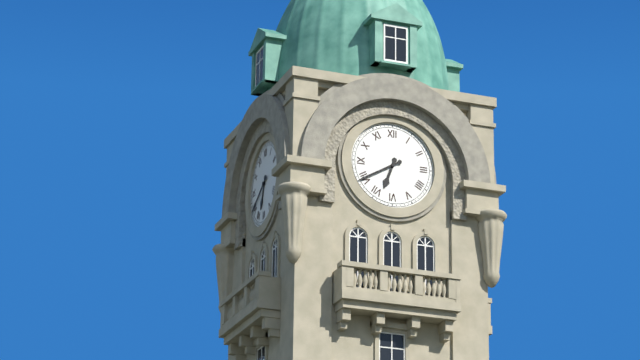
6:40
